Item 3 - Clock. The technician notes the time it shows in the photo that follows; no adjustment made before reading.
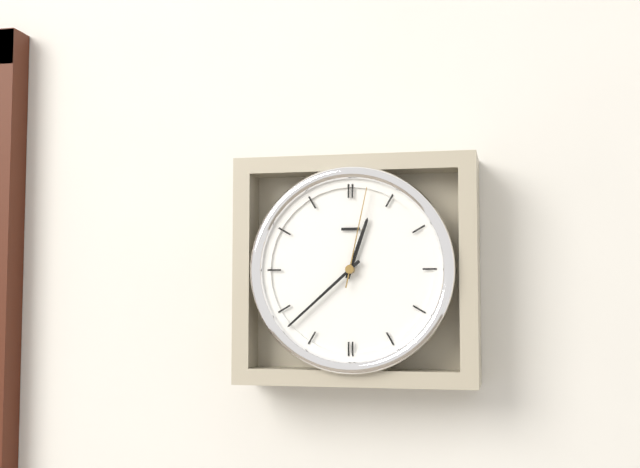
12:38:02
